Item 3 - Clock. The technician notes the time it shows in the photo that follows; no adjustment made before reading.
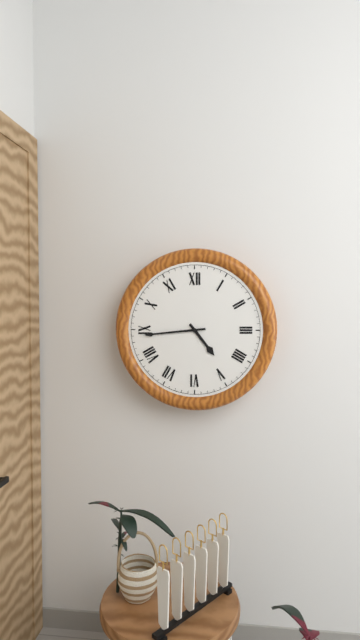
4:44
